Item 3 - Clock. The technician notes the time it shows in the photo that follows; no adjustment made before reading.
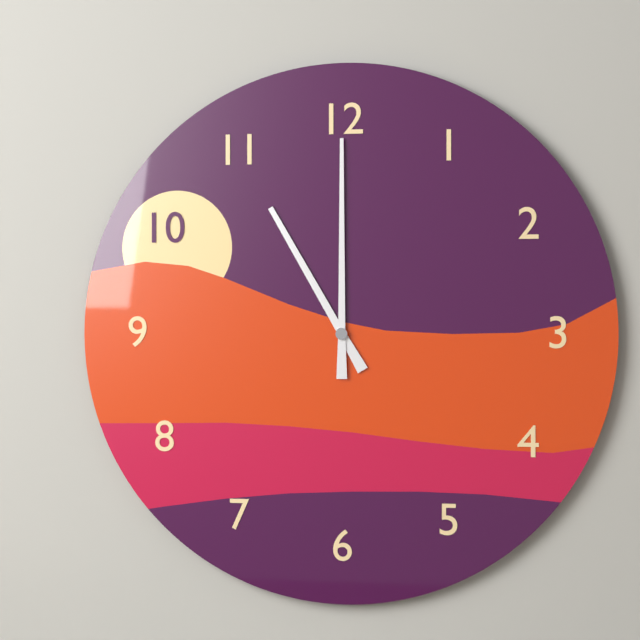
11:00
